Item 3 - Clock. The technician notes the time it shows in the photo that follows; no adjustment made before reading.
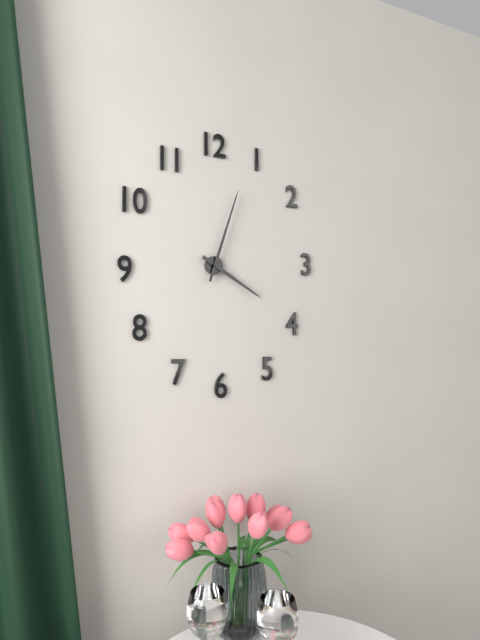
4:03
